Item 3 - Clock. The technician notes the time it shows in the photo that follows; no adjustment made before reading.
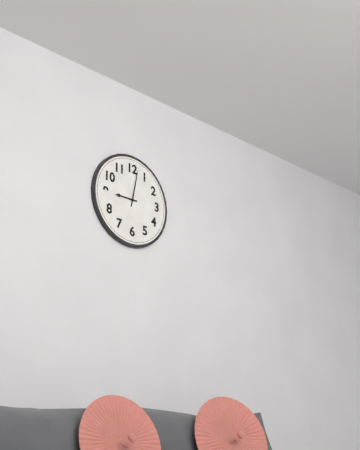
9:02
